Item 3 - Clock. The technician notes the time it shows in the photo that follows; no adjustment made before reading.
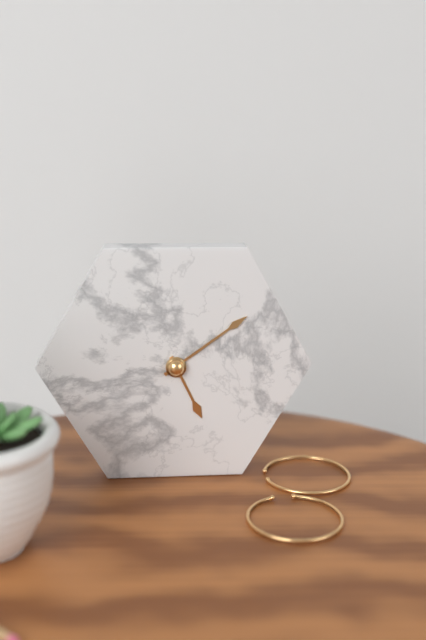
5:09
